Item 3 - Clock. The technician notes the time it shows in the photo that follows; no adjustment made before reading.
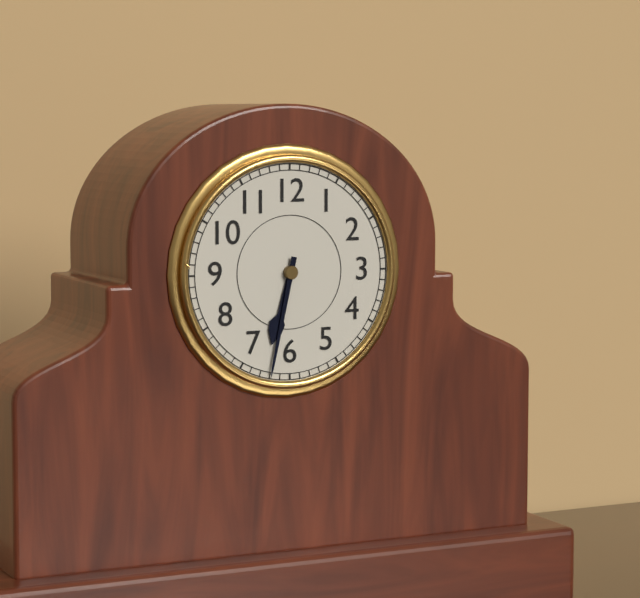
6:32
